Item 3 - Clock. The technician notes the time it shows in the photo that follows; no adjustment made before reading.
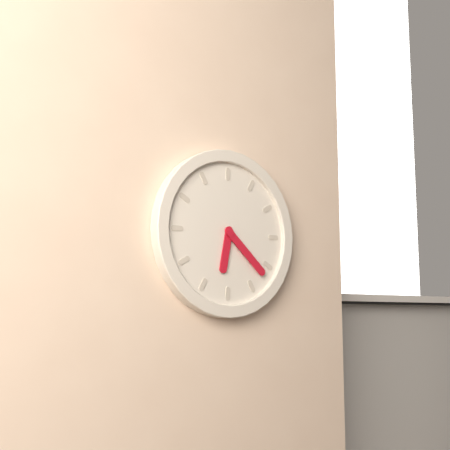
6:22
